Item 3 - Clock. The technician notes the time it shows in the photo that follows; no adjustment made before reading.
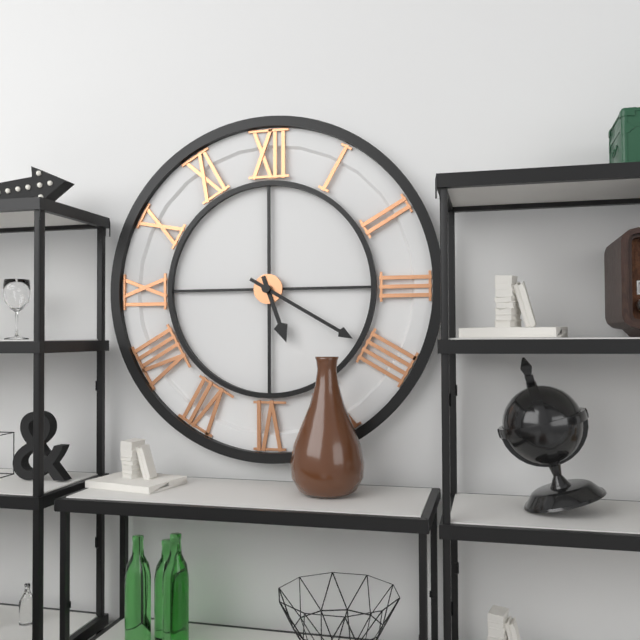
5:20
